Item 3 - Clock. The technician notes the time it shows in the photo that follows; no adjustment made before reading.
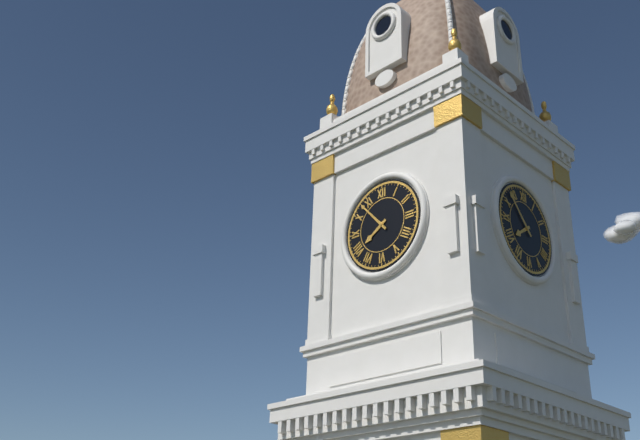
7:53
